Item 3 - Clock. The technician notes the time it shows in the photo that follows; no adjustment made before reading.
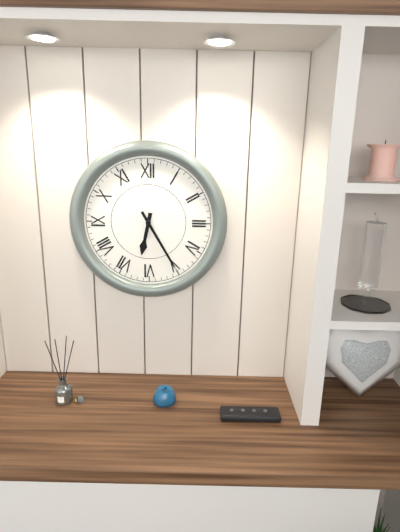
6:25
